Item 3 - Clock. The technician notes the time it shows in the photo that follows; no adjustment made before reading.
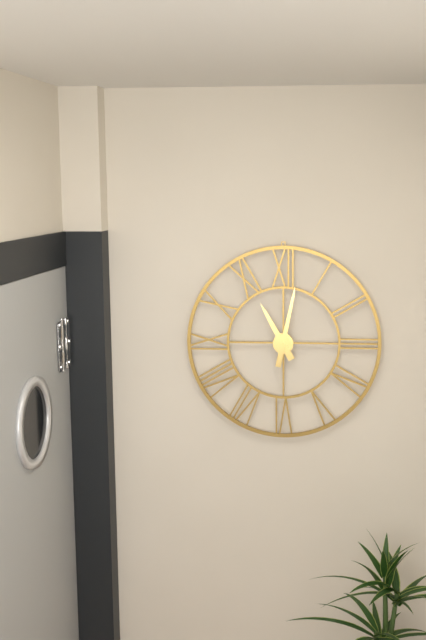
11:02
